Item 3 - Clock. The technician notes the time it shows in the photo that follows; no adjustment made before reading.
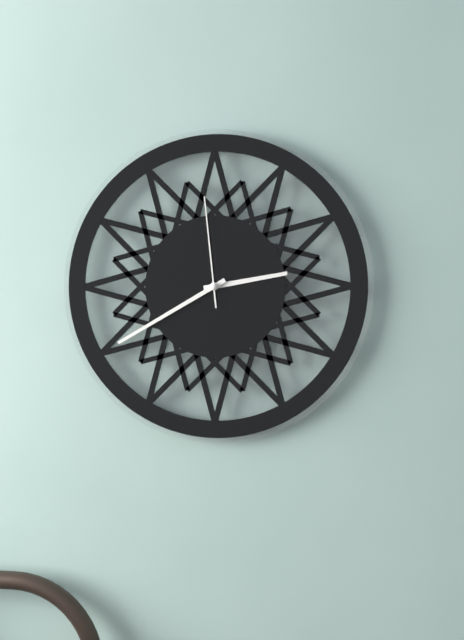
2:40:59
